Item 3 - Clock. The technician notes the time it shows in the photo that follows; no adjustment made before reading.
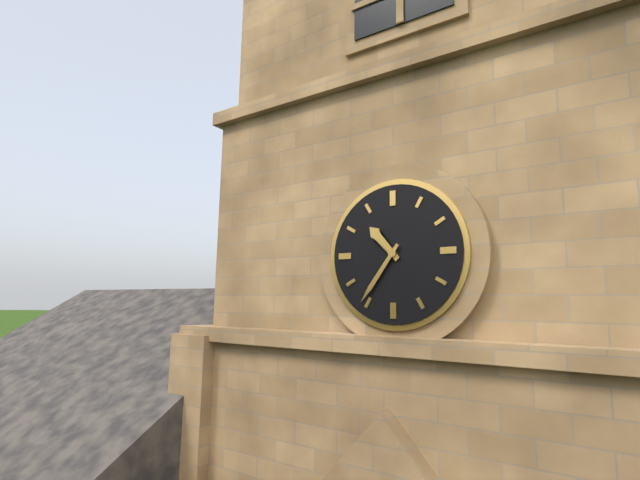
10:36
